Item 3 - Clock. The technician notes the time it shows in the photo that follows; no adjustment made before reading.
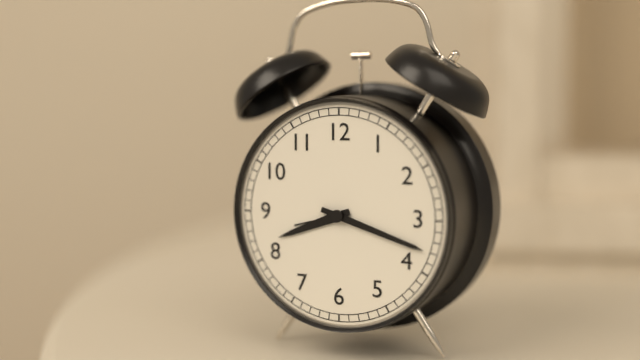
8:18
